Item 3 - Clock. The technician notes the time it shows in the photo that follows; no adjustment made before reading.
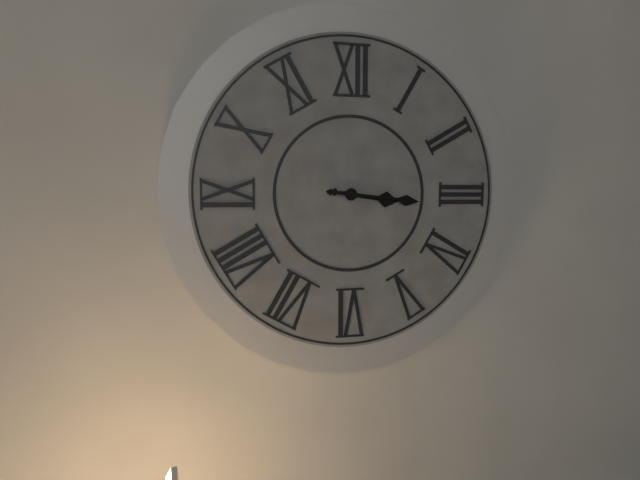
3:16
